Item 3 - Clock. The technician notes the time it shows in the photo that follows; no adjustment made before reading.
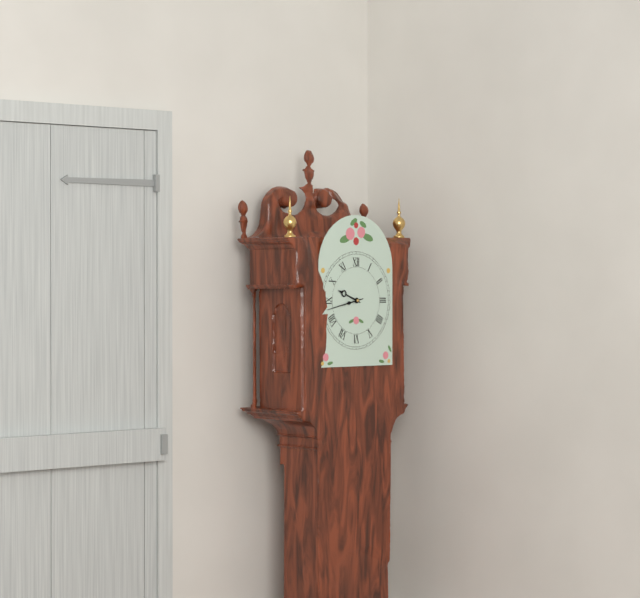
9:43
